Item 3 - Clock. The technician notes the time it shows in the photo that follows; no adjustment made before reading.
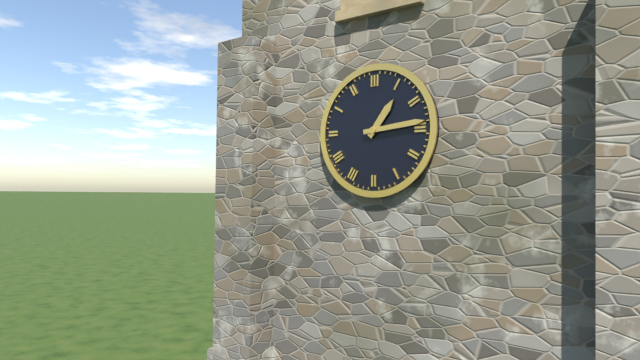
1:14
